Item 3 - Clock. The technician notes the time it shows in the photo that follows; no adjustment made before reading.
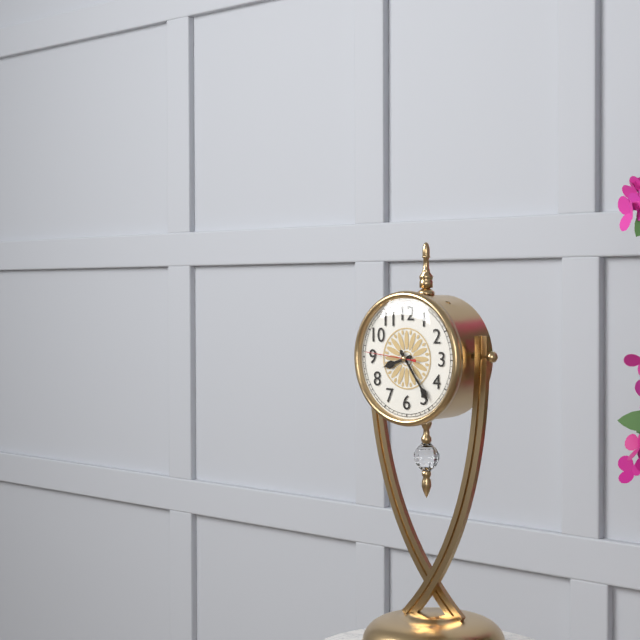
8:24:46
